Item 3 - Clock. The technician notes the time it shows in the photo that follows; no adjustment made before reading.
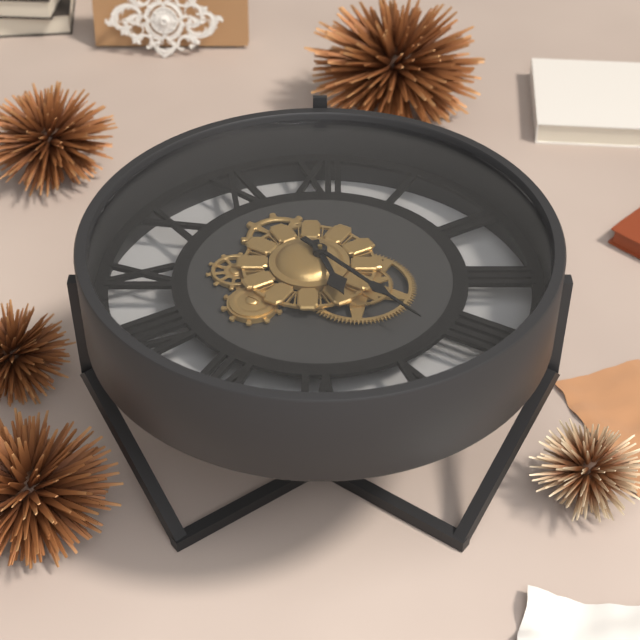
5:23
